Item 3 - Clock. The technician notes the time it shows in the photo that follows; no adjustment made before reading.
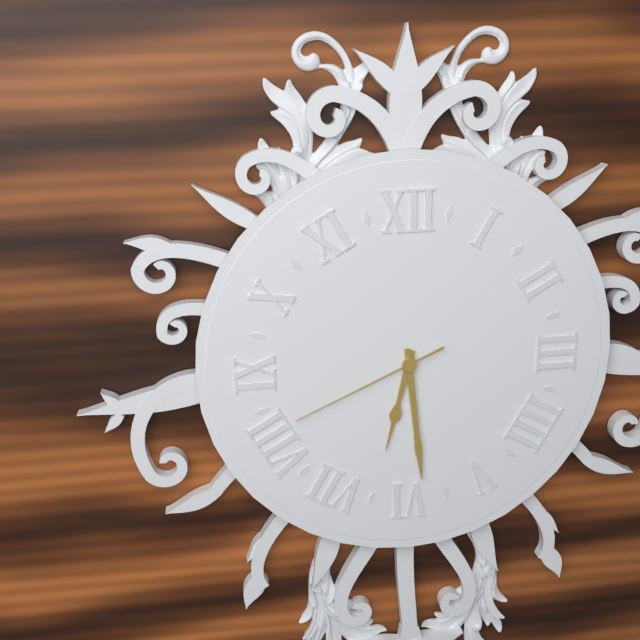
6:29:41
